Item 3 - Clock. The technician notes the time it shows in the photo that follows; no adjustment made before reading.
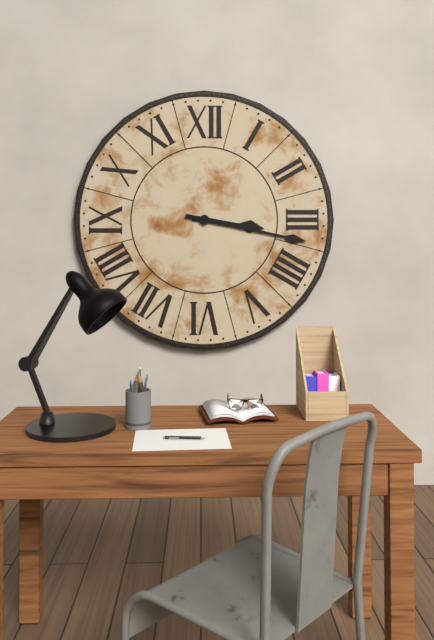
3:17
